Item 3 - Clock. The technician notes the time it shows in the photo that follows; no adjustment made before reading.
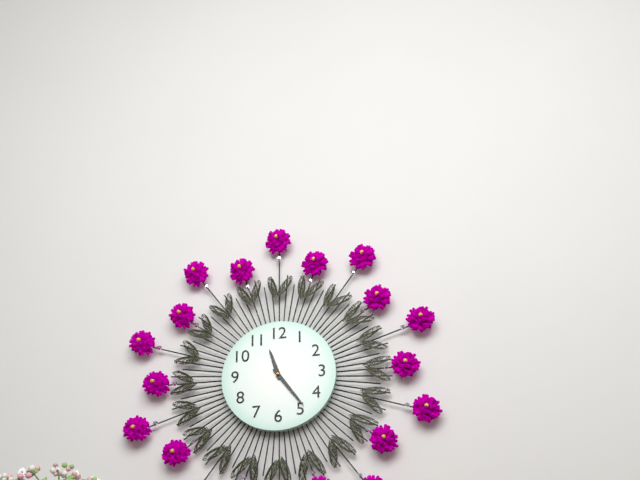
11:24
